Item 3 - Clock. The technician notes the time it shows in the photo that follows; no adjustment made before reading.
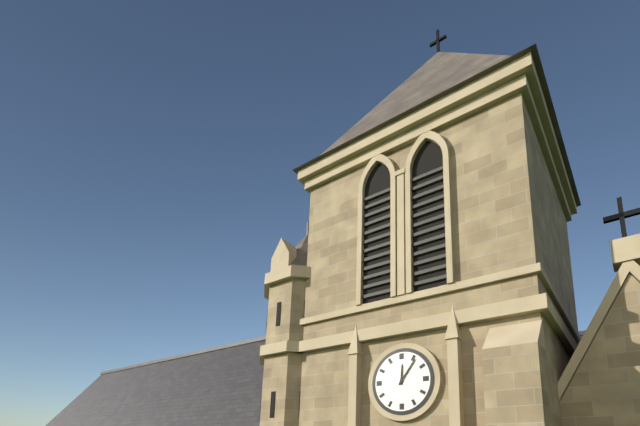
12:06
